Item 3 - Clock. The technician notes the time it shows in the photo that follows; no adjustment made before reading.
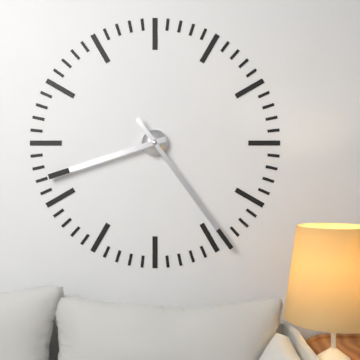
8:24
